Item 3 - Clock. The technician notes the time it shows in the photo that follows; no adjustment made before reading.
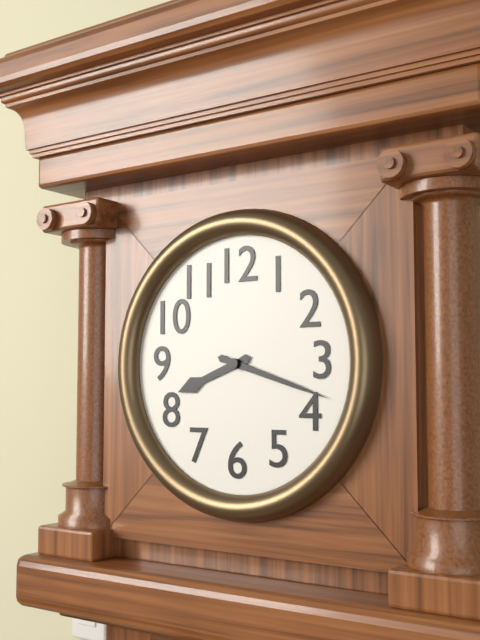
8:18
